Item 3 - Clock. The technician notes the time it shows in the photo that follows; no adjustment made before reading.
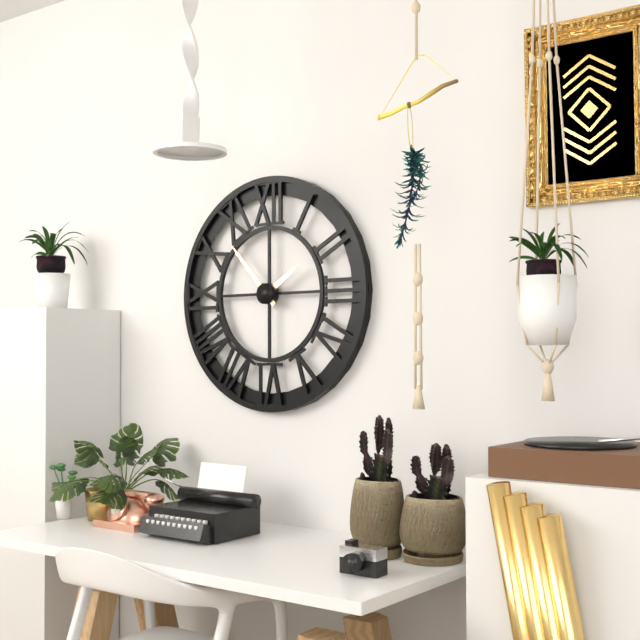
1:53
